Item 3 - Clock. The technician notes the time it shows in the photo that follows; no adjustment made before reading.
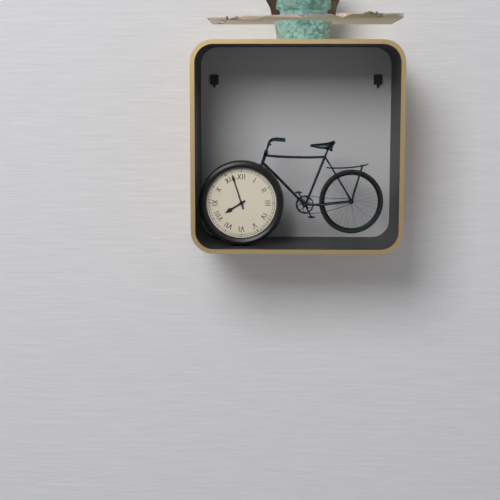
7:57
